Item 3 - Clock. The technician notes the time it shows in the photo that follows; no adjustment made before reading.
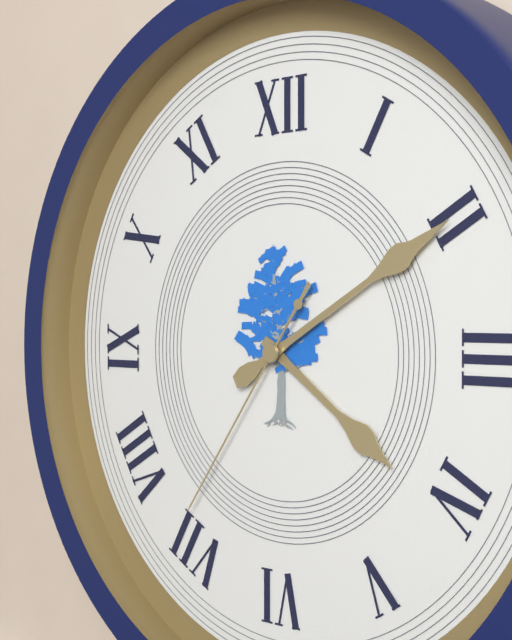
4:10:36
